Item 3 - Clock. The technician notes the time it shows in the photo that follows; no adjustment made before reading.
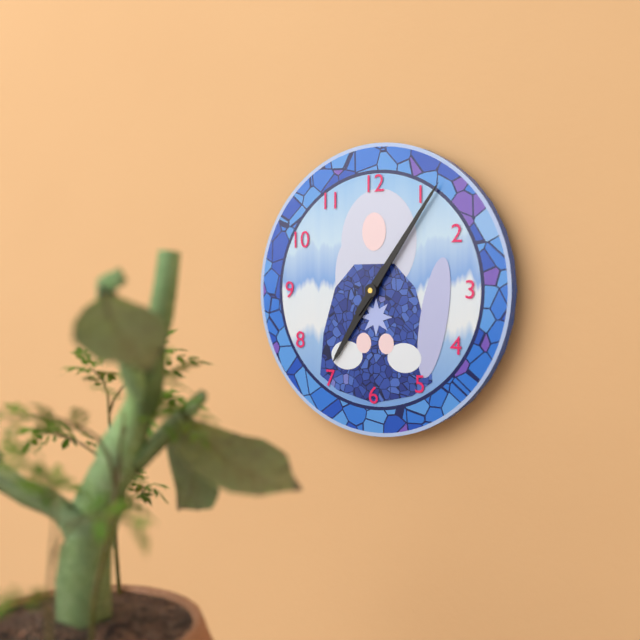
7:06
